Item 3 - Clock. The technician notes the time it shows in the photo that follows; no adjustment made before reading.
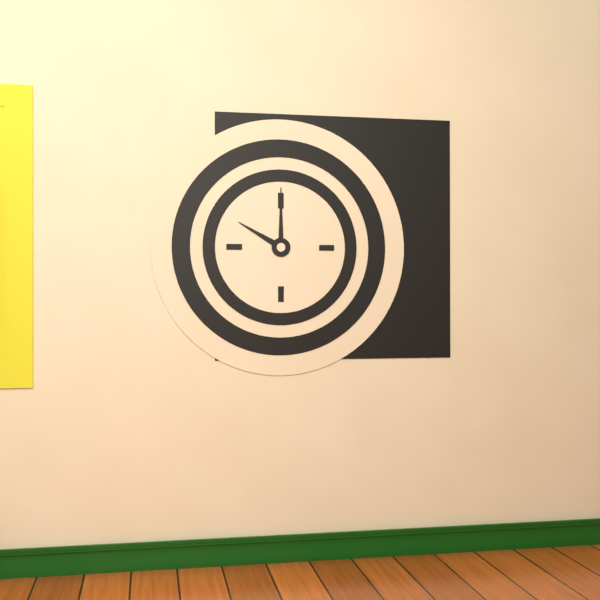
10:00
